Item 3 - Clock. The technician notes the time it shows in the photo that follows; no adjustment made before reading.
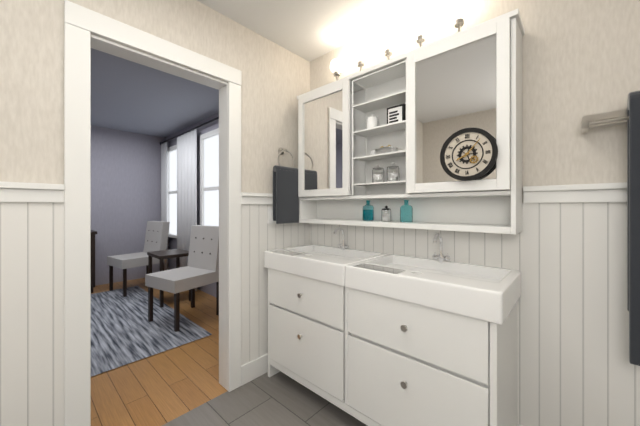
8:07
